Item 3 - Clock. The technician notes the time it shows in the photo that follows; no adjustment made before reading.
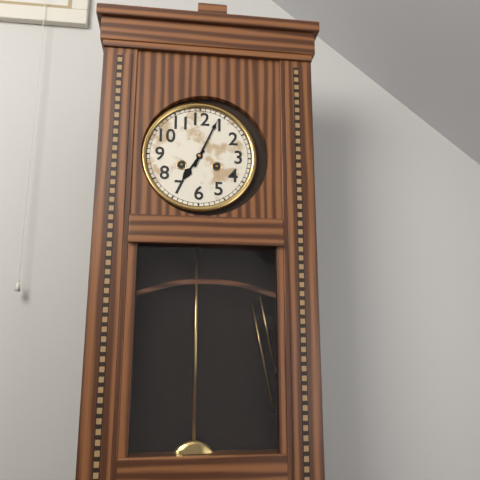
7:04
